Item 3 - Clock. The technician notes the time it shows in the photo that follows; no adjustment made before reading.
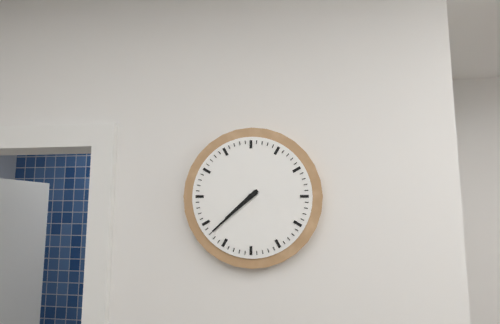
7:38
